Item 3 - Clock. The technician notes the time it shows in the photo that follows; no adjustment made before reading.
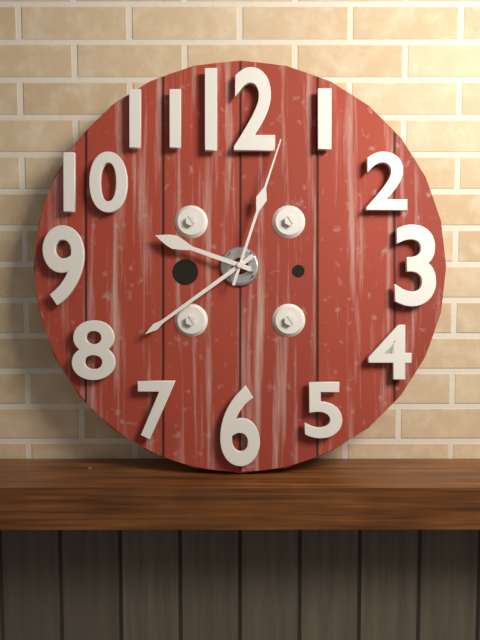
9:39:03
